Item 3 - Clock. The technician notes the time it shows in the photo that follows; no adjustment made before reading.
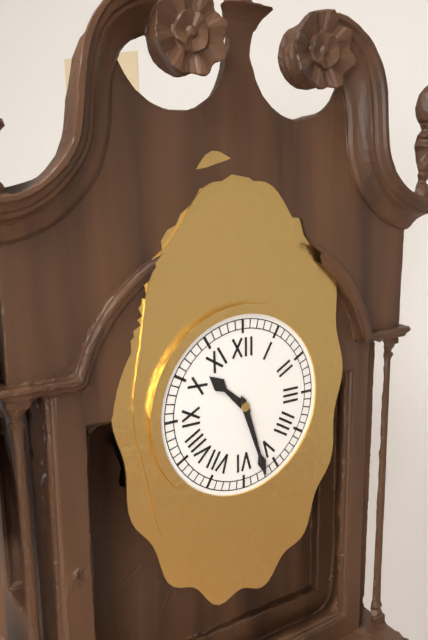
10:27
